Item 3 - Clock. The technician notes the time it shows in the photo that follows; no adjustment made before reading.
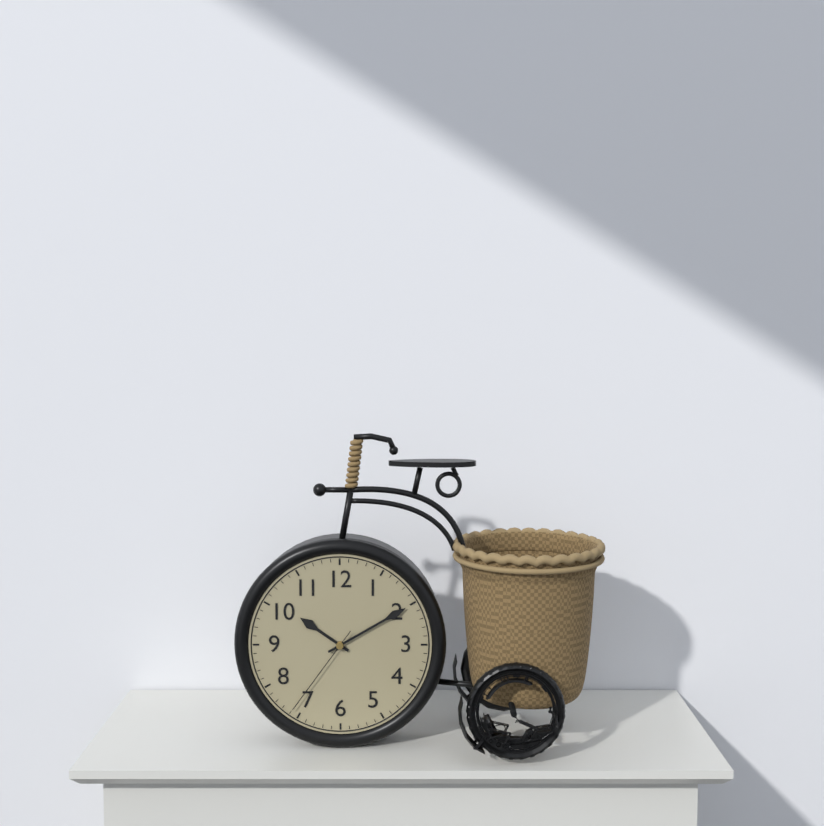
10:10:36
